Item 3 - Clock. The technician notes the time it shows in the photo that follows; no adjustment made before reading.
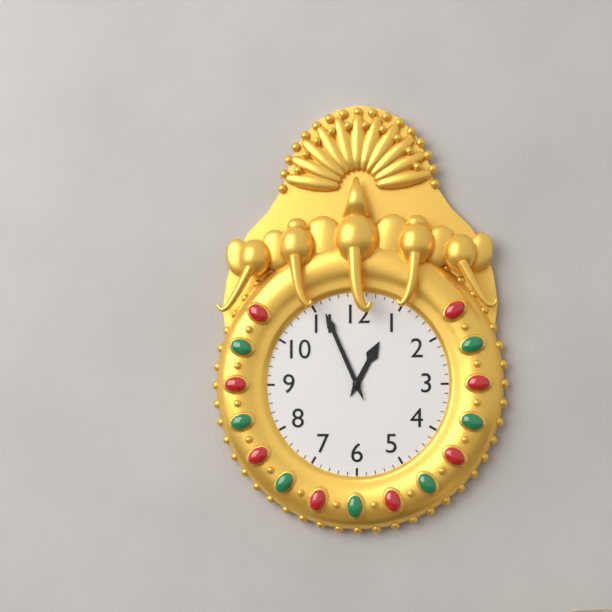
12:56
